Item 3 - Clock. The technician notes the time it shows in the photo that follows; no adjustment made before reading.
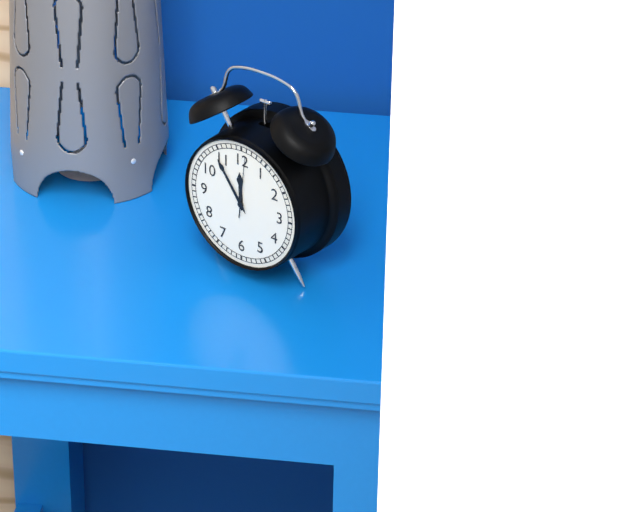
11:54:01
